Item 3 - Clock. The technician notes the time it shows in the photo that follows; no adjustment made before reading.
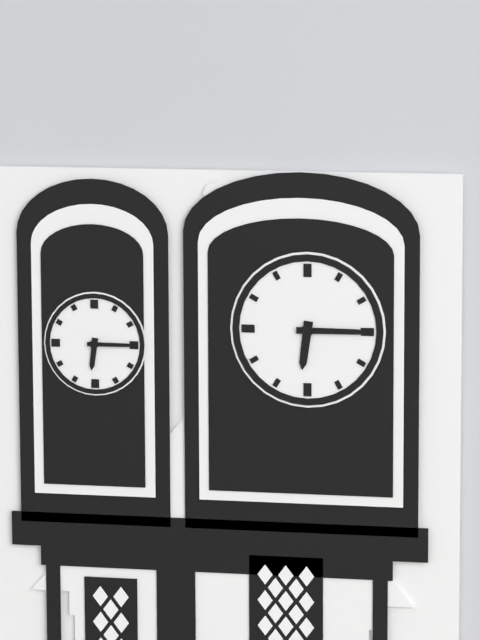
6:15
